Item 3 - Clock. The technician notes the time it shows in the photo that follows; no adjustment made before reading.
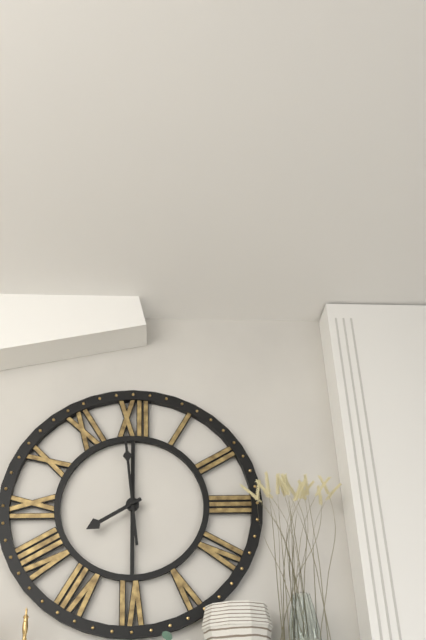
7:59
